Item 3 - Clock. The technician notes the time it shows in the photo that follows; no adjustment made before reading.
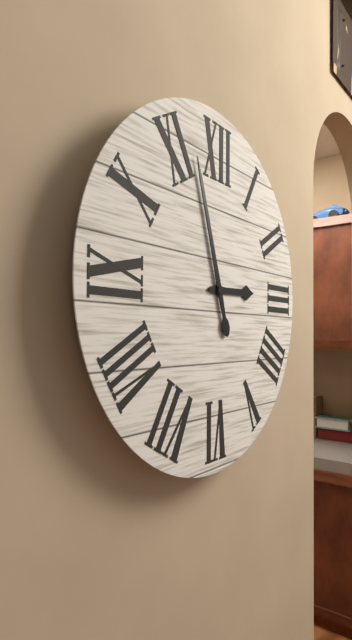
2:57
